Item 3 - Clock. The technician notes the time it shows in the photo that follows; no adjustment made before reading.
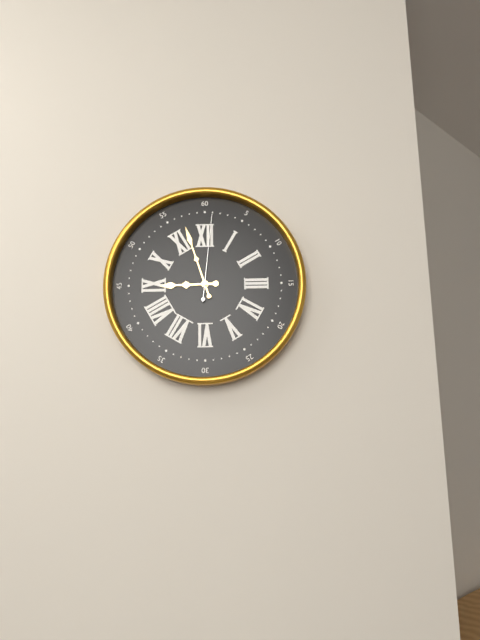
8:57:01
